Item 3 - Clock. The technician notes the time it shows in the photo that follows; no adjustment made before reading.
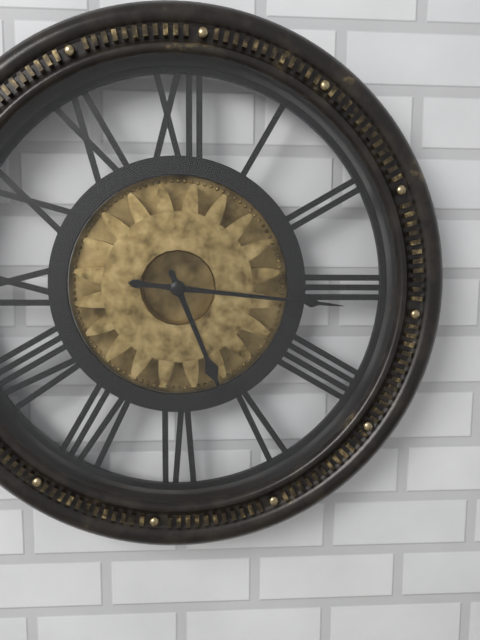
5:16
